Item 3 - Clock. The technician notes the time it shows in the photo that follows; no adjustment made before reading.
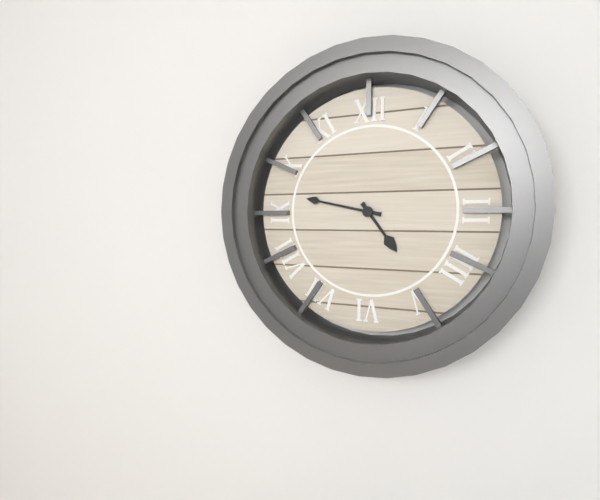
4:47
